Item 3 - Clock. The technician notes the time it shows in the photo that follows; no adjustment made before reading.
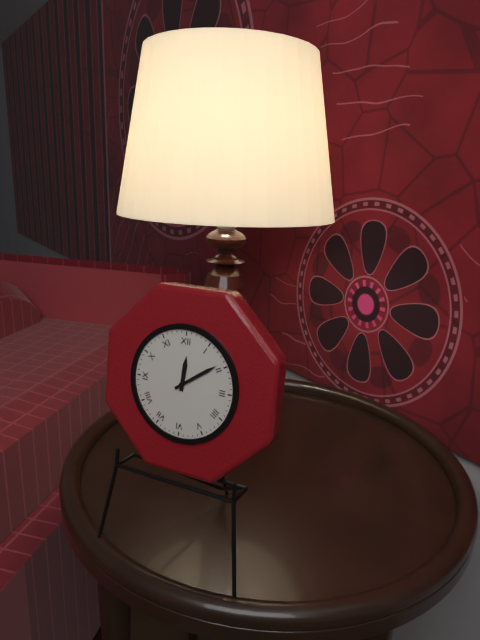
12:09
